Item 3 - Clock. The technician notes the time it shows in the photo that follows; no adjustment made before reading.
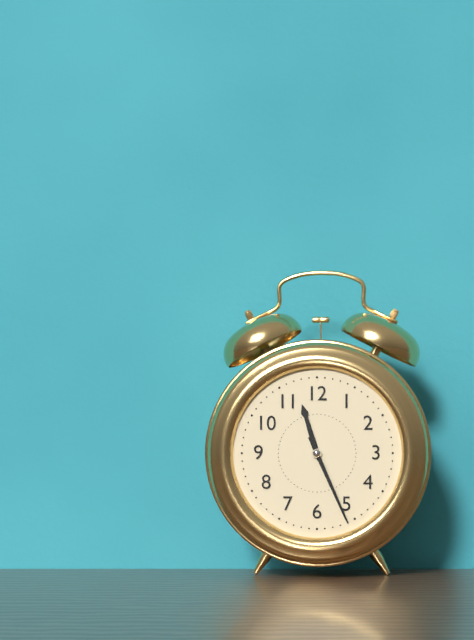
11:26
